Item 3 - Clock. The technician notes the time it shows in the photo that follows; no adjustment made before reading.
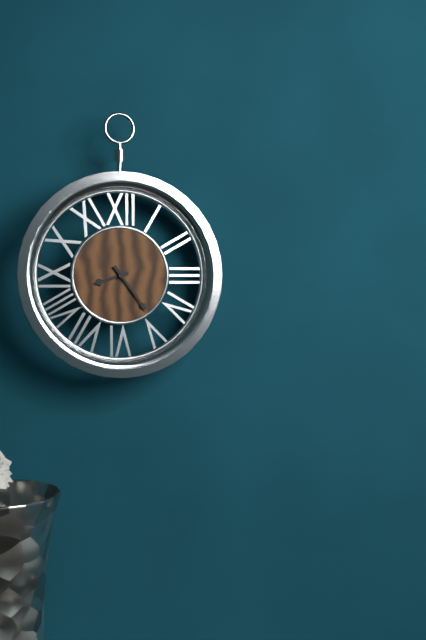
8:24
